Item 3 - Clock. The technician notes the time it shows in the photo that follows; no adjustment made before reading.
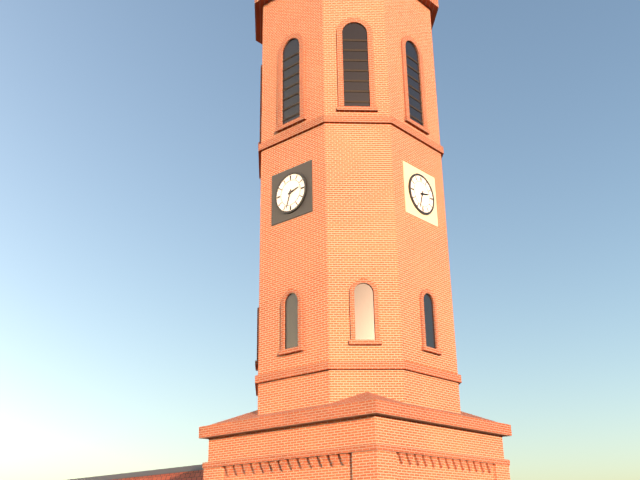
2:33
